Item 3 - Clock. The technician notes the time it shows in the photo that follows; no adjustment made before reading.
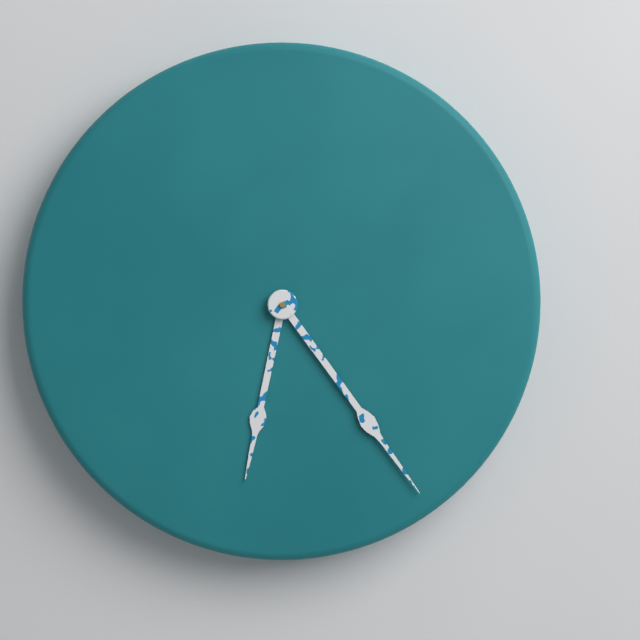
6:24
